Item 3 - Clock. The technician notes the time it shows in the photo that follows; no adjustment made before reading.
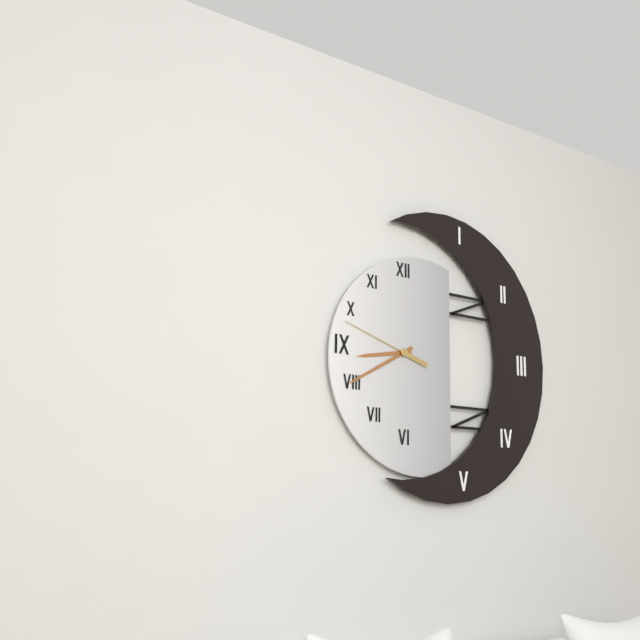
8:40:48
